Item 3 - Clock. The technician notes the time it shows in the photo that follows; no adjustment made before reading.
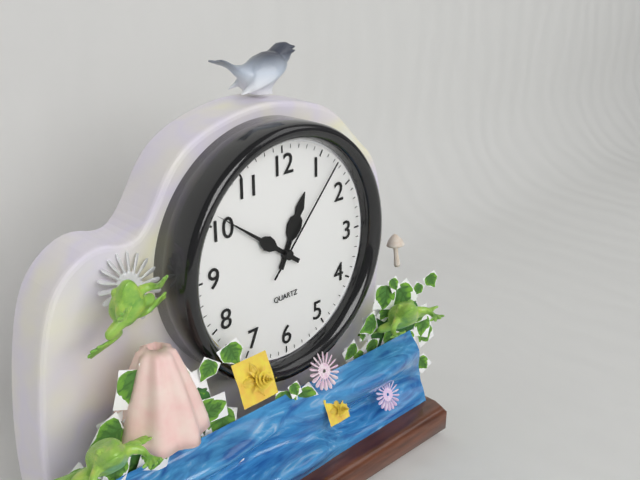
12:51:07
